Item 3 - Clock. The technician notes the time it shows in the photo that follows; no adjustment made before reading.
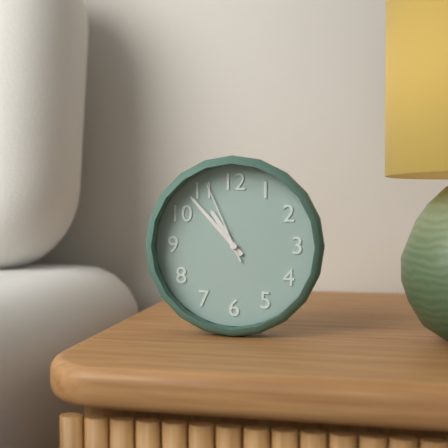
10:53:56
